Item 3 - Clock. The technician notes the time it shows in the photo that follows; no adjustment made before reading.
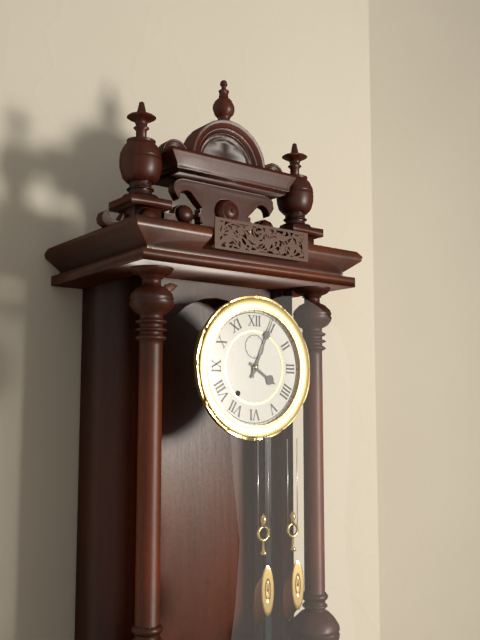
4:04
